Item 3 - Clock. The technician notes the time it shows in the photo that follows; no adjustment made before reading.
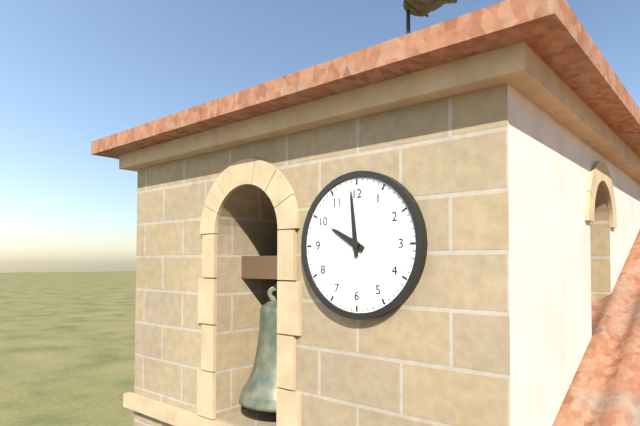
9:59
